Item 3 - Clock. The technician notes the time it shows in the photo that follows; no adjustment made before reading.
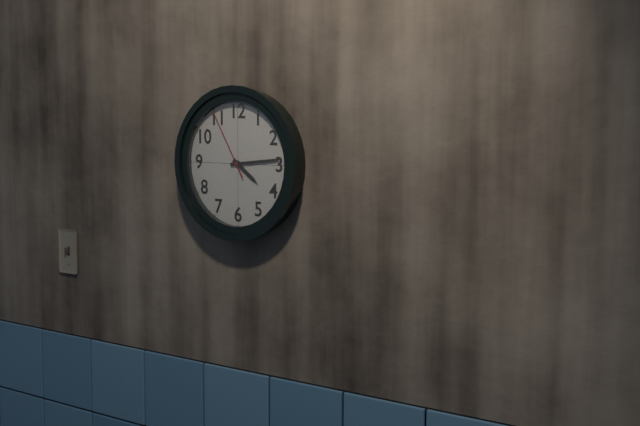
4:14:55
